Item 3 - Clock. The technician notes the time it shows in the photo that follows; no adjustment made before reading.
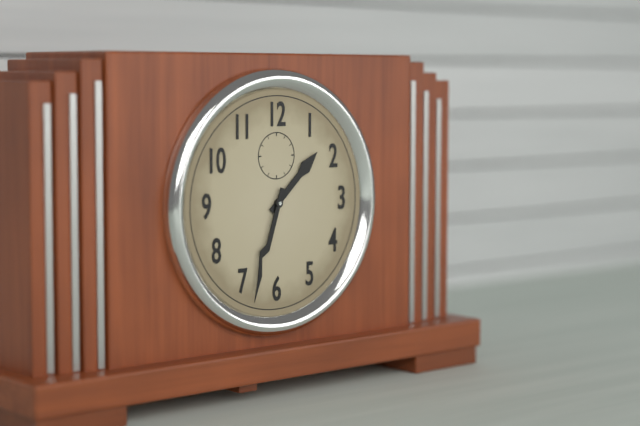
1:33
